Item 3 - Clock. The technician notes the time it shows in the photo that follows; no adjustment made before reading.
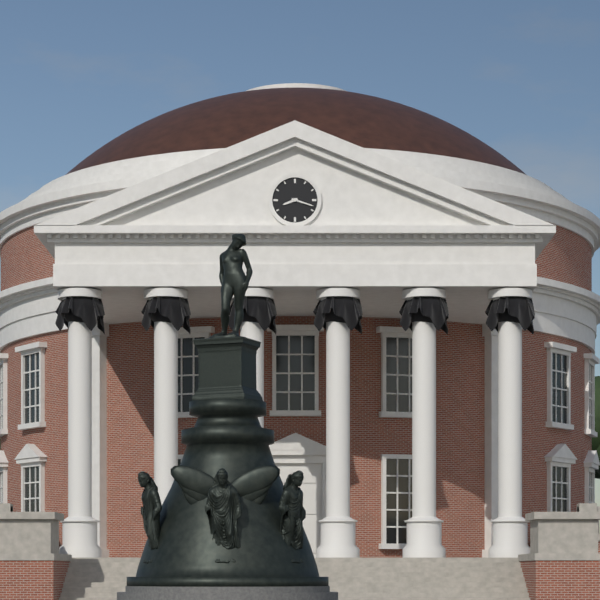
8:18
